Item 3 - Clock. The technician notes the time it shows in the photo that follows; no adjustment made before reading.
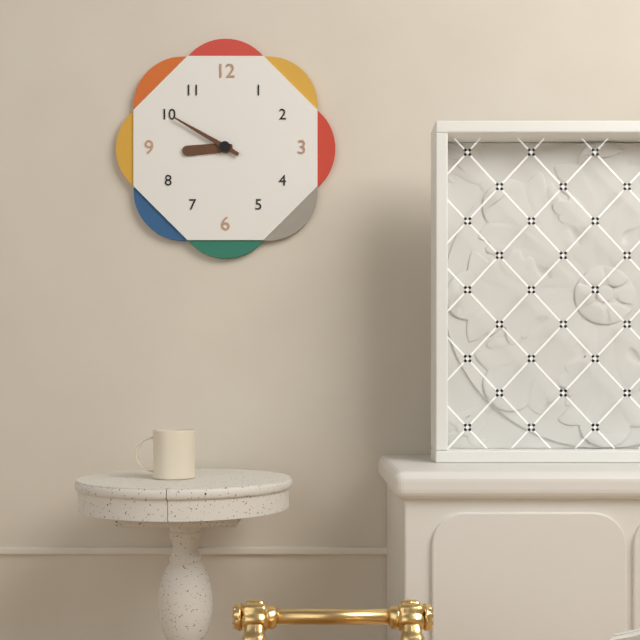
8:50
